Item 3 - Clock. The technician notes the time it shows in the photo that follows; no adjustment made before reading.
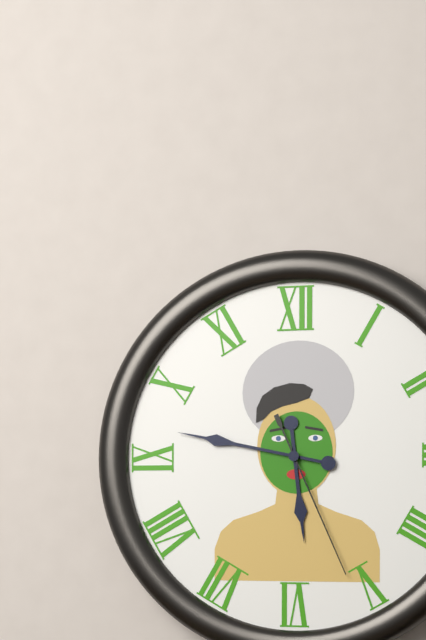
5:47:26
